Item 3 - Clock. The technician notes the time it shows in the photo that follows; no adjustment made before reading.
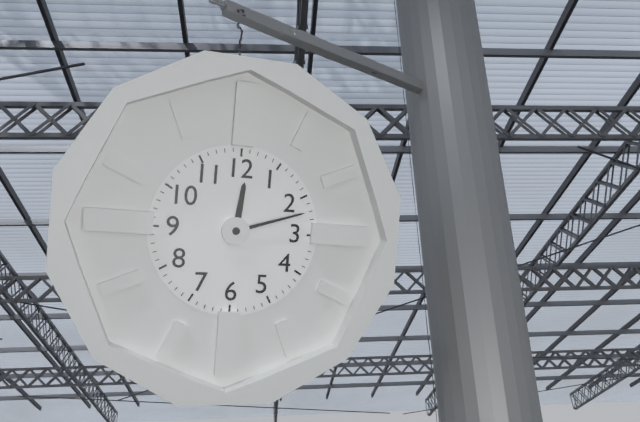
12:12
